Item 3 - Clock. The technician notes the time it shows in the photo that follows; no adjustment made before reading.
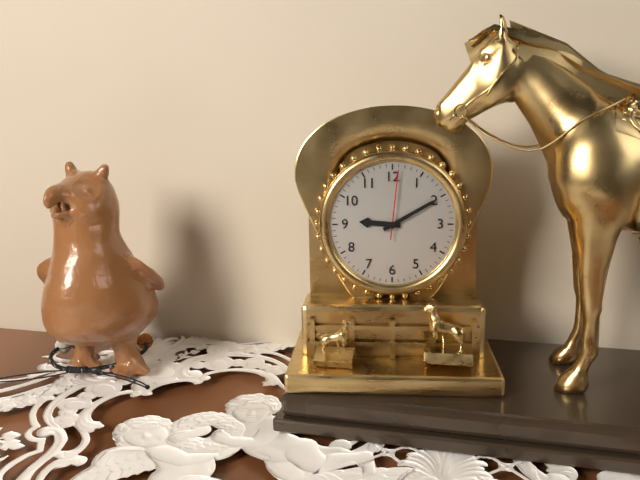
9:10:01
